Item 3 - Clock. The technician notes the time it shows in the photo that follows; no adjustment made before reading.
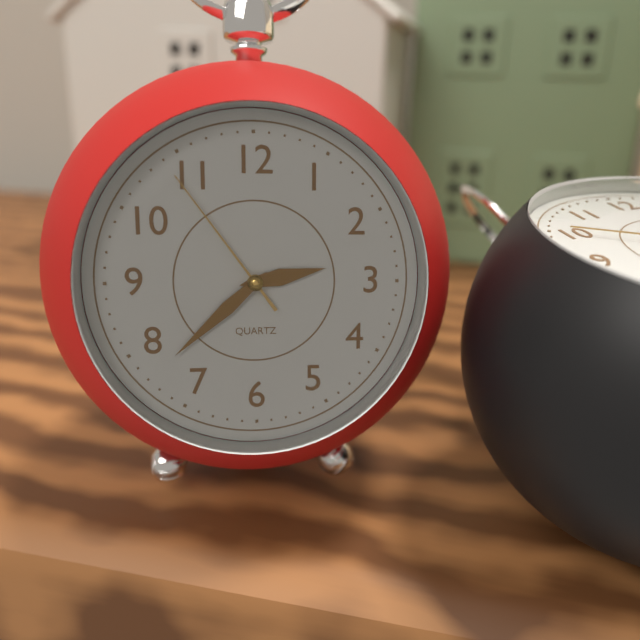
2:38:54
